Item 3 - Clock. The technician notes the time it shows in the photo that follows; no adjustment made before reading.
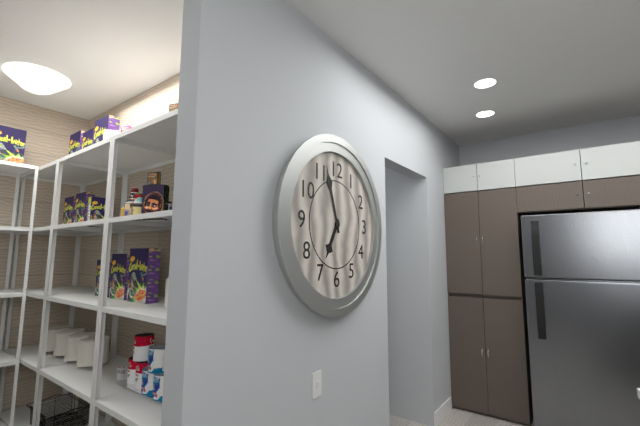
6:57
